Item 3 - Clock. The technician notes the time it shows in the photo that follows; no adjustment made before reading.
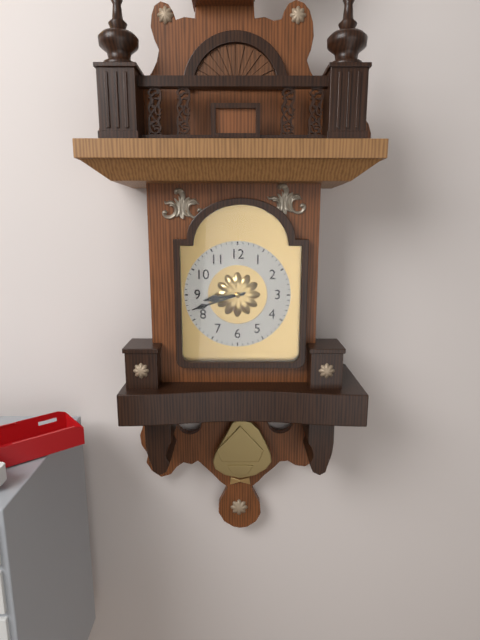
8:42
